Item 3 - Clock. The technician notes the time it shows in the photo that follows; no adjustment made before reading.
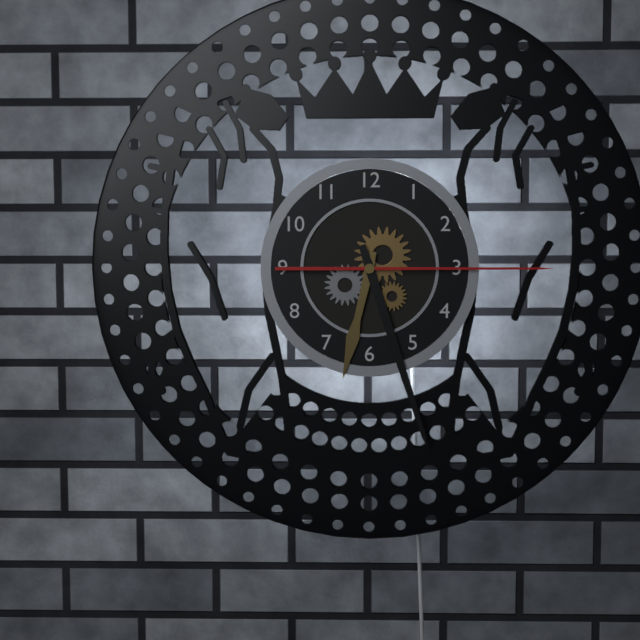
6:27:15
